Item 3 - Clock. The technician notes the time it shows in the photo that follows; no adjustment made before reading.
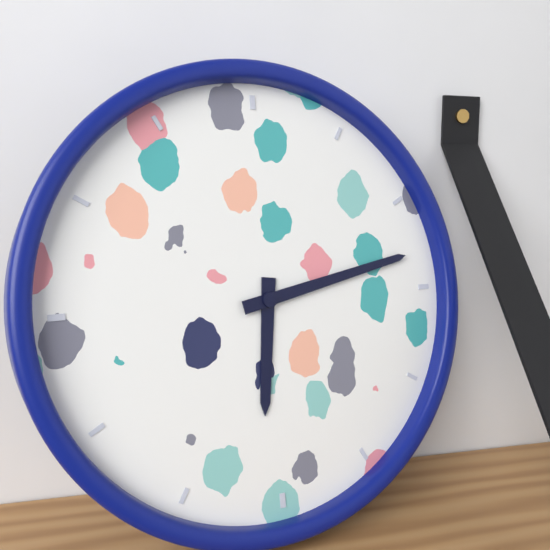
6:13
